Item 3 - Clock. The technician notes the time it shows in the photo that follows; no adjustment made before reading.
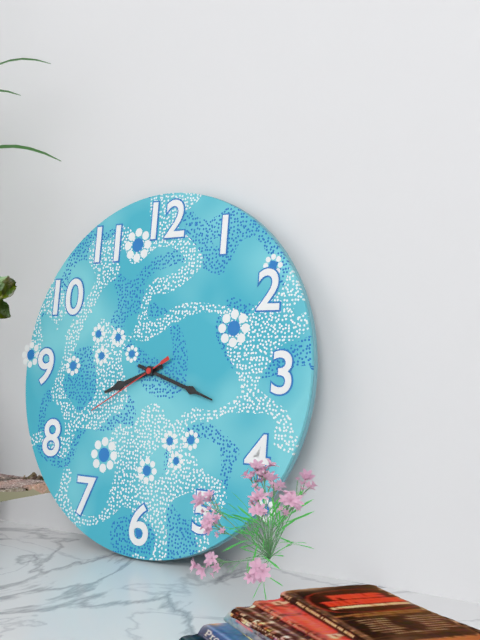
8:18:40
